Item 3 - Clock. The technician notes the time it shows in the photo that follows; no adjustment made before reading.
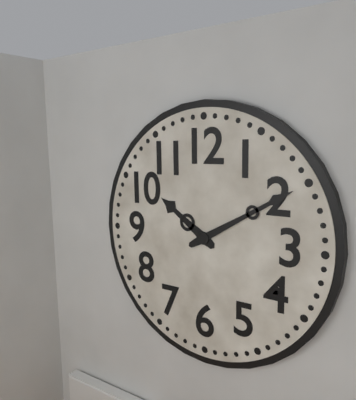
10:10
